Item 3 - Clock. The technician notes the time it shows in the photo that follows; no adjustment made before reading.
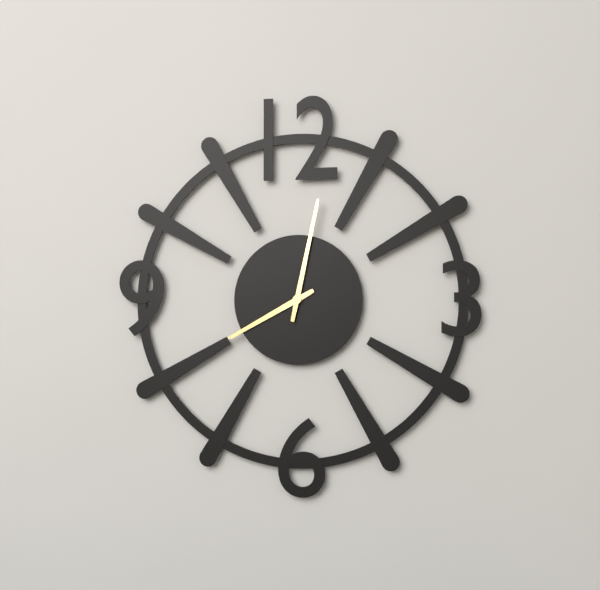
8:02
